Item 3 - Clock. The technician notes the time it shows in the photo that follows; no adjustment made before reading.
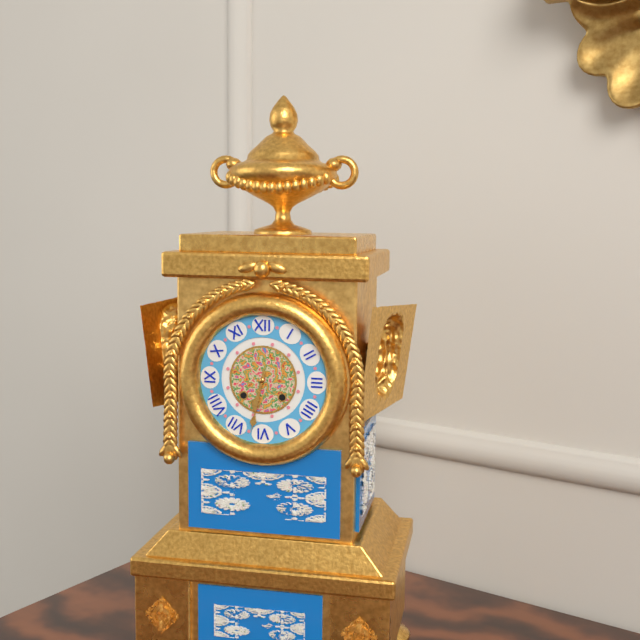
6:32
